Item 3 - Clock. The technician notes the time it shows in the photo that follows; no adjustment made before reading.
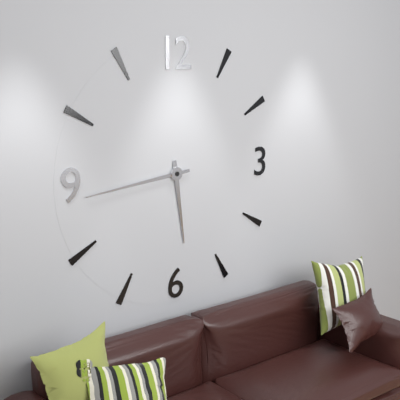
5:44
